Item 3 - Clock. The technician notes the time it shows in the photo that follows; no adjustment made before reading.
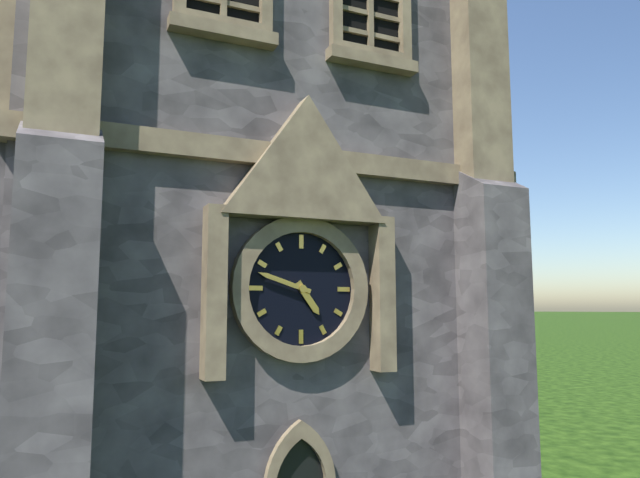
4:48
